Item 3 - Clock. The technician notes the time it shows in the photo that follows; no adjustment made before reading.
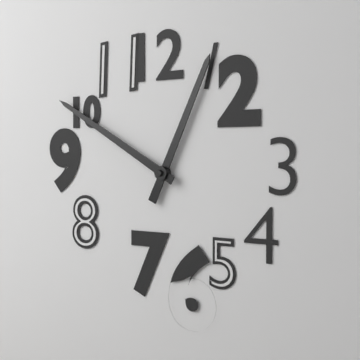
12:50
